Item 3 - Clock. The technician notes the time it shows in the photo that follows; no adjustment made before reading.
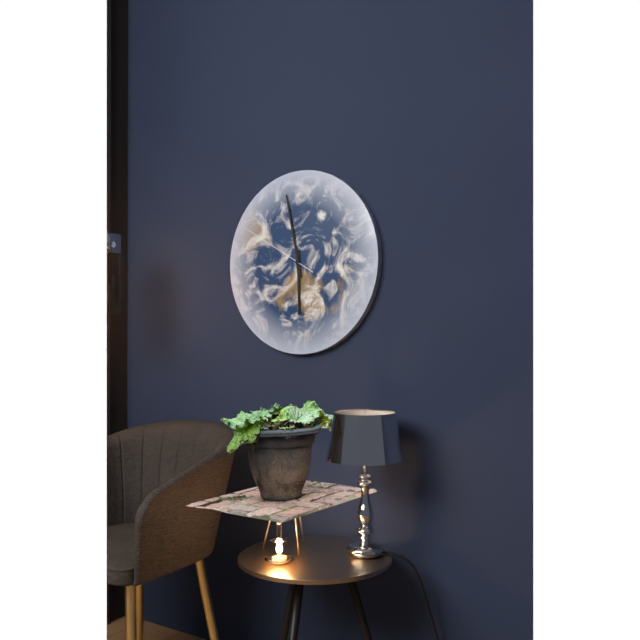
5:58:50
